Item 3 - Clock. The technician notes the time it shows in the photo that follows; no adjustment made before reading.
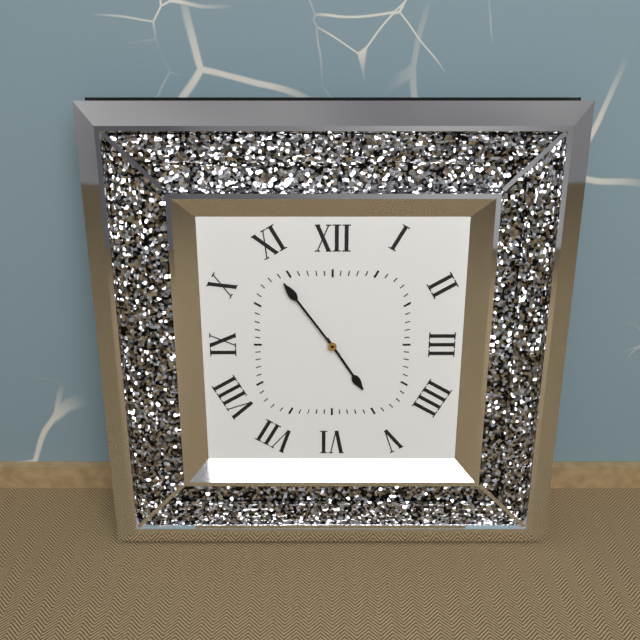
4:54
